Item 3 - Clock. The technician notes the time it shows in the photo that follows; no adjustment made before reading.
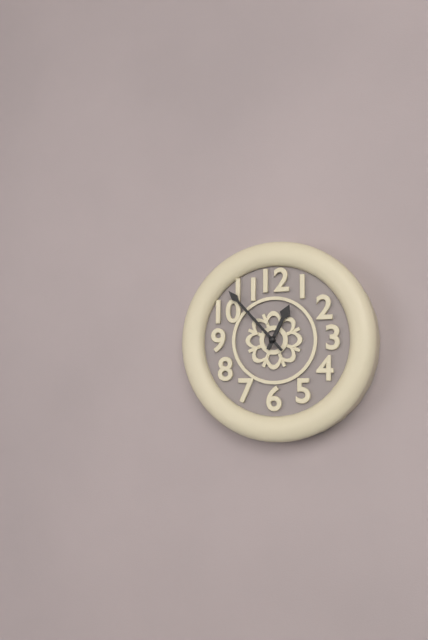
12:53
